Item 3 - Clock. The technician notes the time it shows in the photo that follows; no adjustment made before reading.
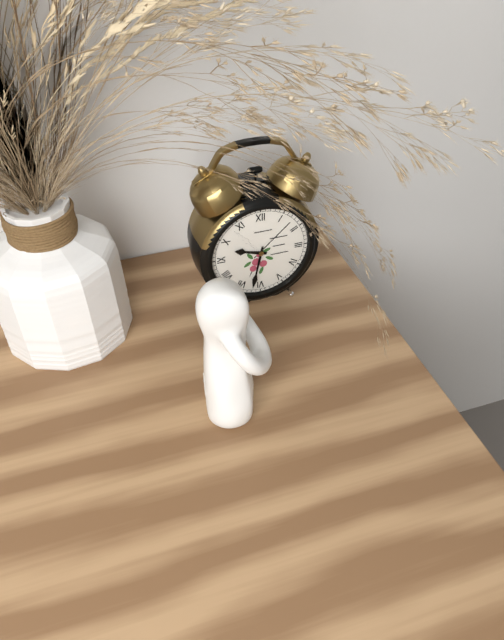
9:32
